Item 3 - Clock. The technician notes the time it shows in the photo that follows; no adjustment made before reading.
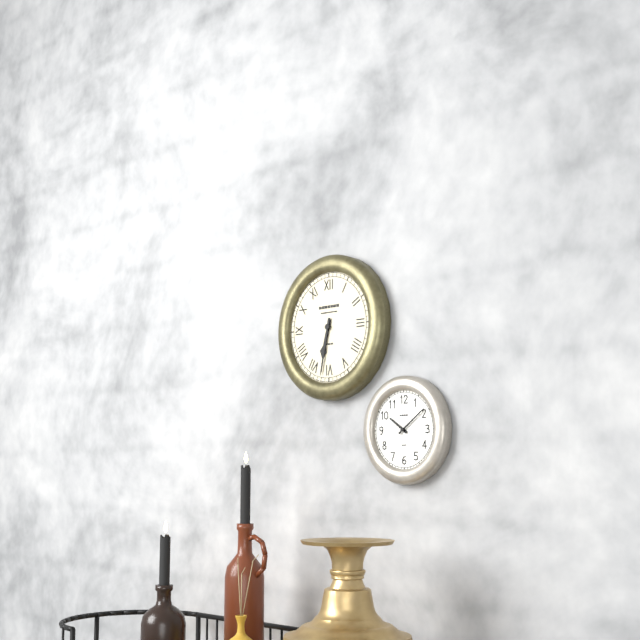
6:32
